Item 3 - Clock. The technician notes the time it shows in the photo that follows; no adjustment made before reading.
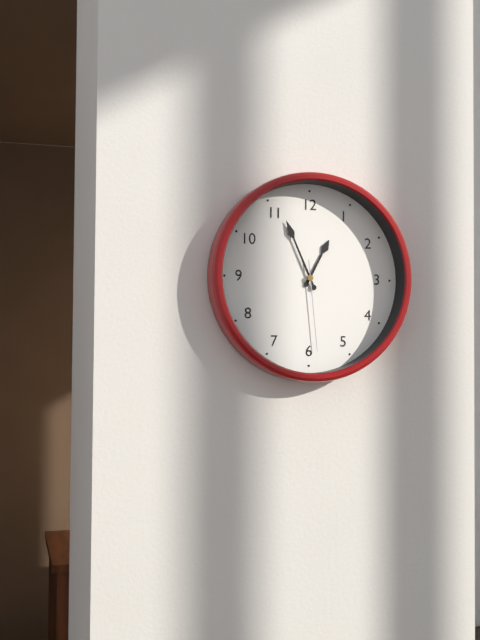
12:56:29
